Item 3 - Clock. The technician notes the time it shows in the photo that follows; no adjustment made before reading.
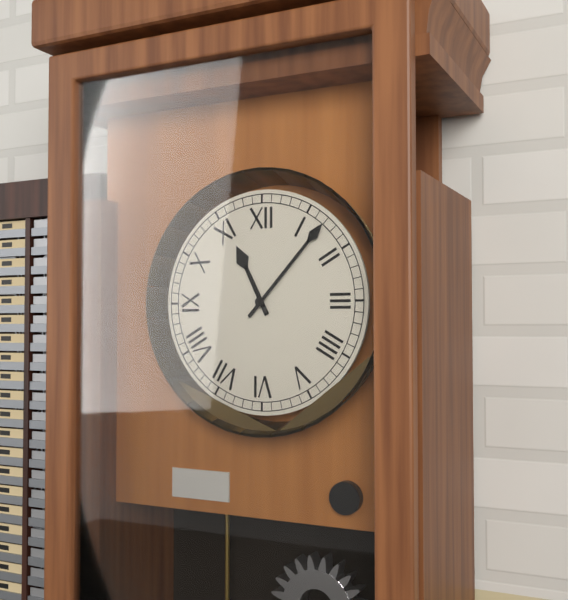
11:07
